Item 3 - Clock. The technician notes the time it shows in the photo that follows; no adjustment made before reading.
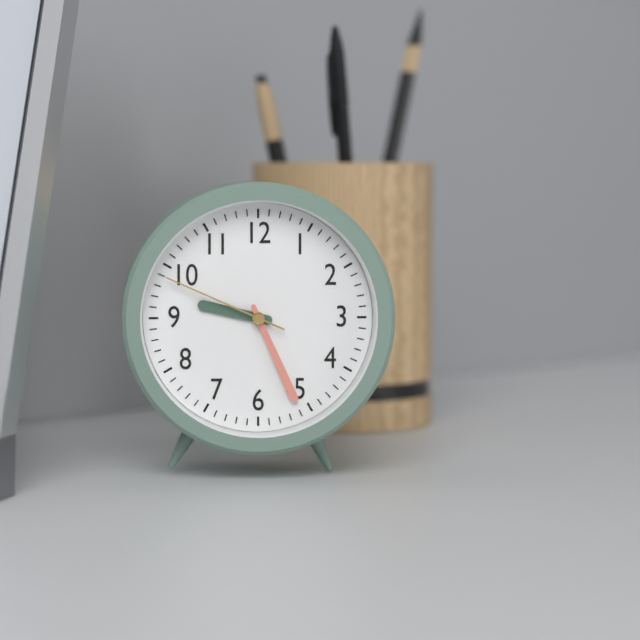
9:26:49
